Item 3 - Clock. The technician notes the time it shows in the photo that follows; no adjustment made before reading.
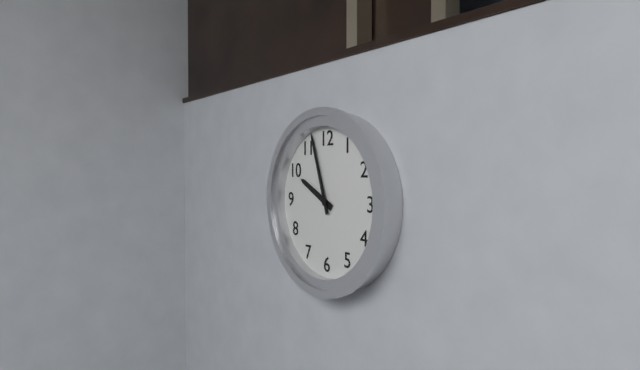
9:57
